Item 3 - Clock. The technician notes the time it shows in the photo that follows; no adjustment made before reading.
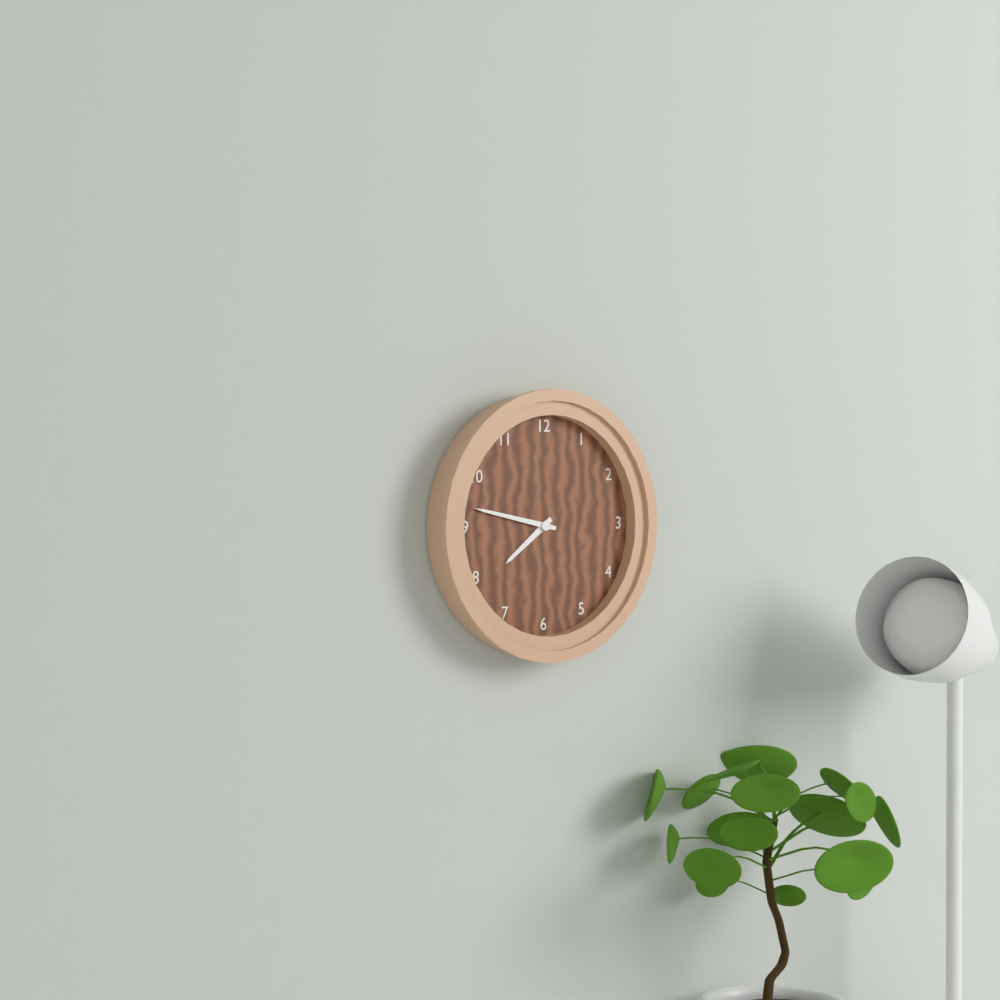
7:47
